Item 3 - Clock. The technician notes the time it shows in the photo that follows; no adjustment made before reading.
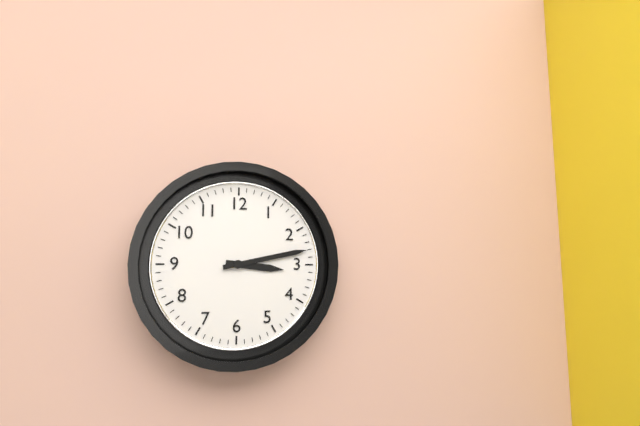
3:13
